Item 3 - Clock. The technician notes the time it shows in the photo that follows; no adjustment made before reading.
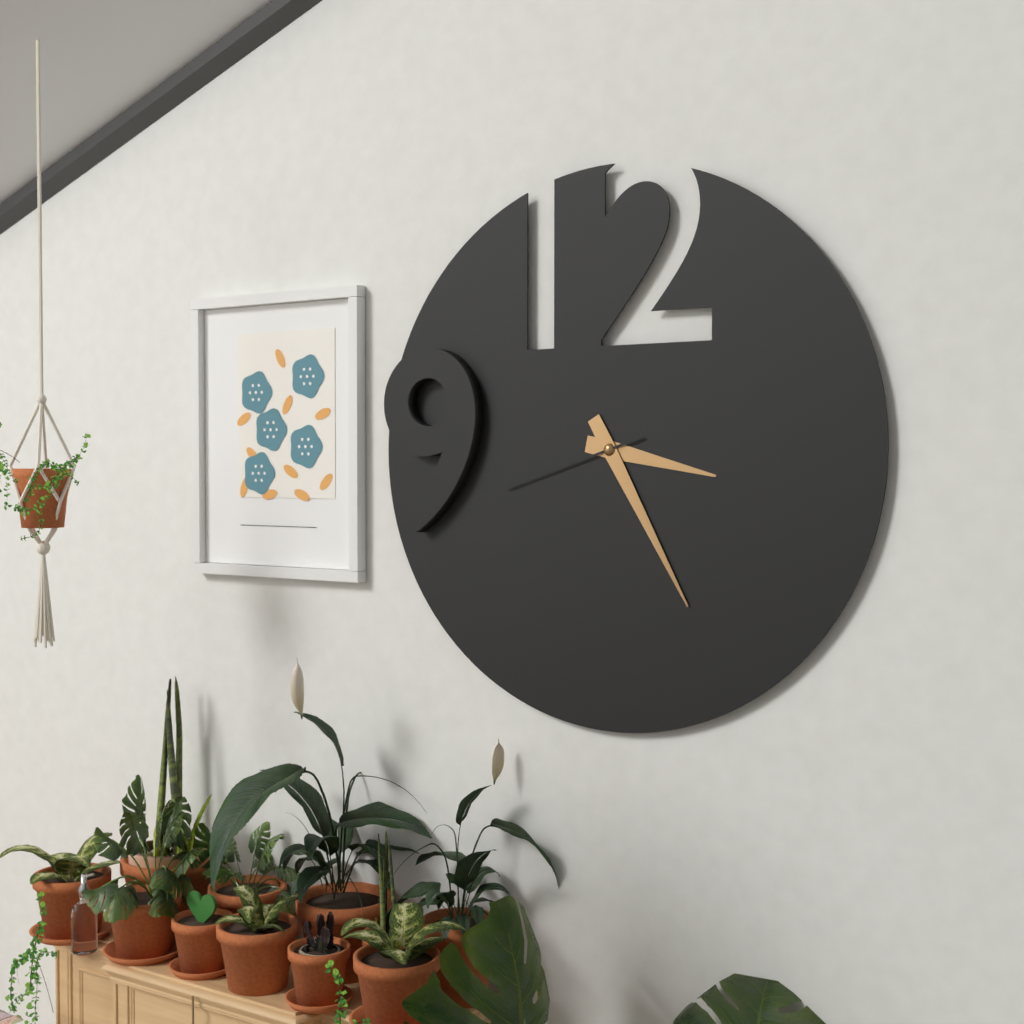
3:25:42
